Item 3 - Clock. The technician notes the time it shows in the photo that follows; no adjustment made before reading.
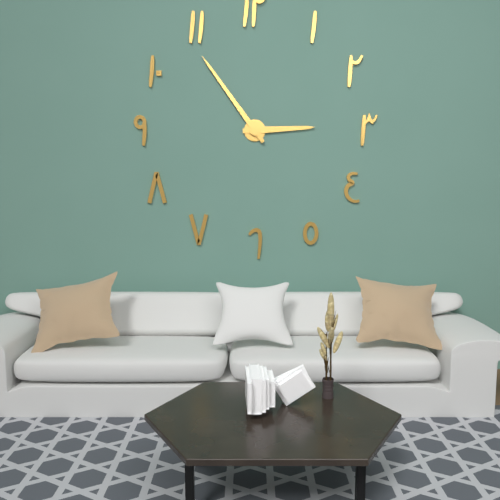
2:54
